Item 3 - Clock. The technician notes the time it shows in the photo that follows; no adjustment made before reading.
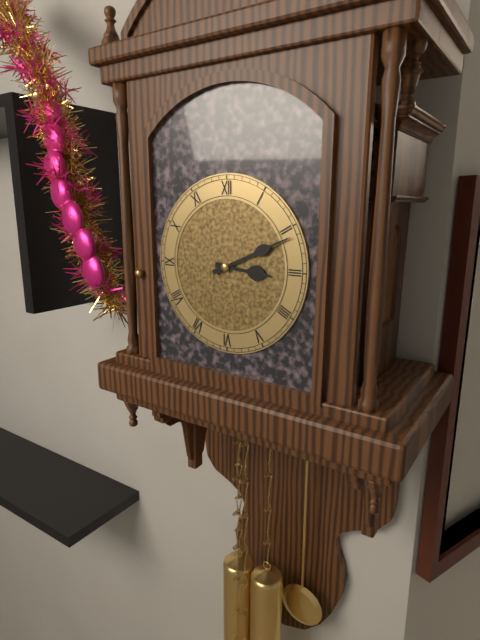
3:11
